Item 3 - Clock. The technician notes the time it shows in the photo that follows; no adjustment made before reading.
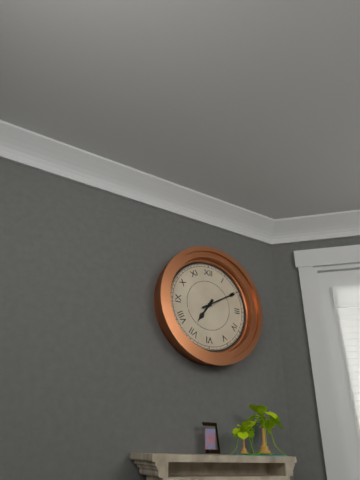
7:10
